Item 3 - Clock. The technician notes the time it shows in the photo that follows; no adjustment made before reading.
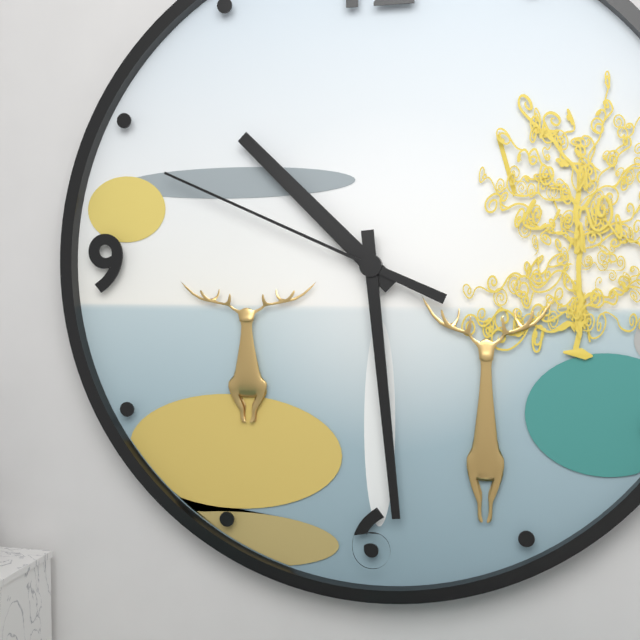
10:29:49
